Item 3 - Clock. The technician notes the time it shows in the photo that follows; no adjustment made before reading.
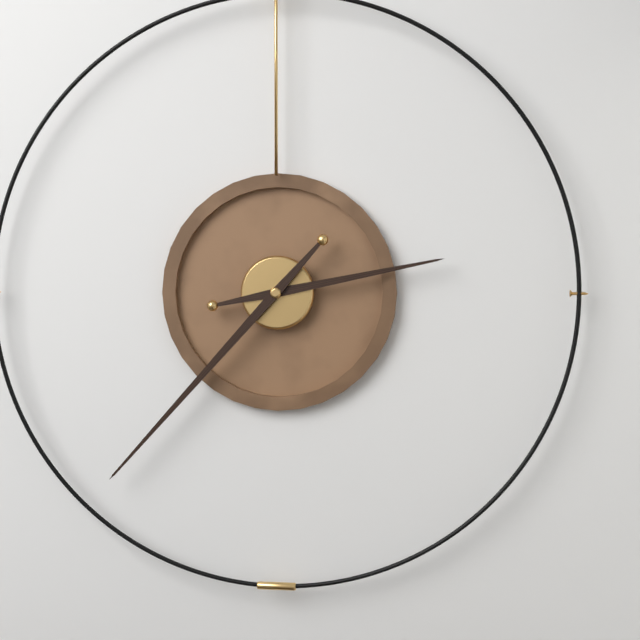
2:37
